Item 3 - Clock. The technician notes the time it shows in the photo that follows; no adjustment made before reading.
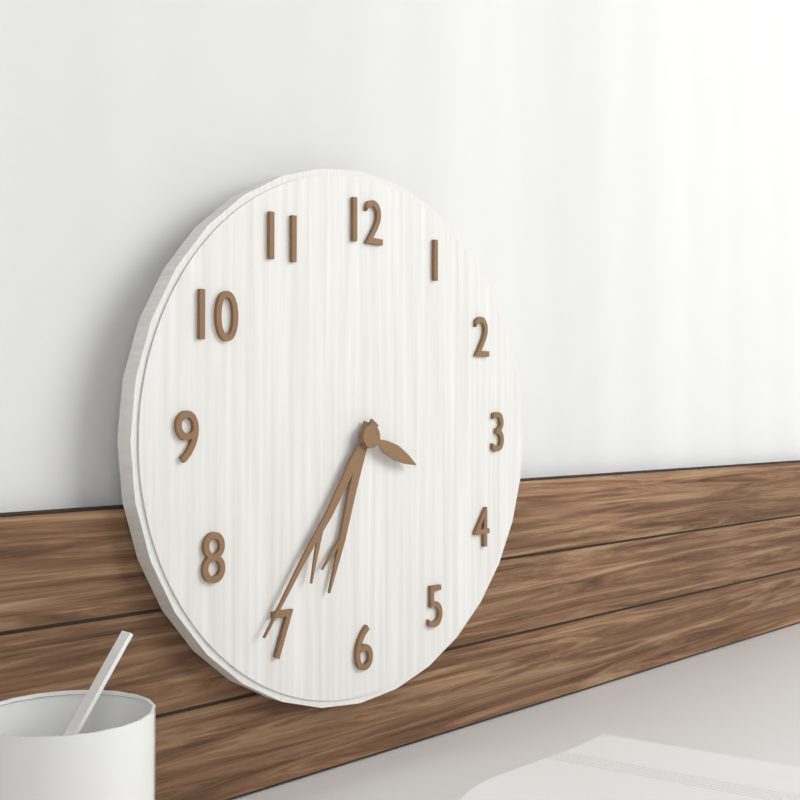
6:36:19
